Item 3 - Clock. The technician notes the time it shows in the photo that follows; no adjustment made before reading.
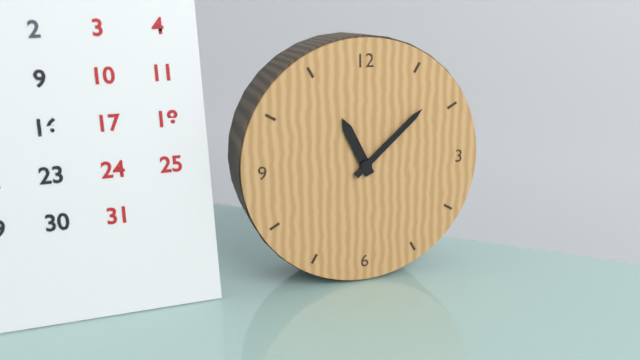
11:08
